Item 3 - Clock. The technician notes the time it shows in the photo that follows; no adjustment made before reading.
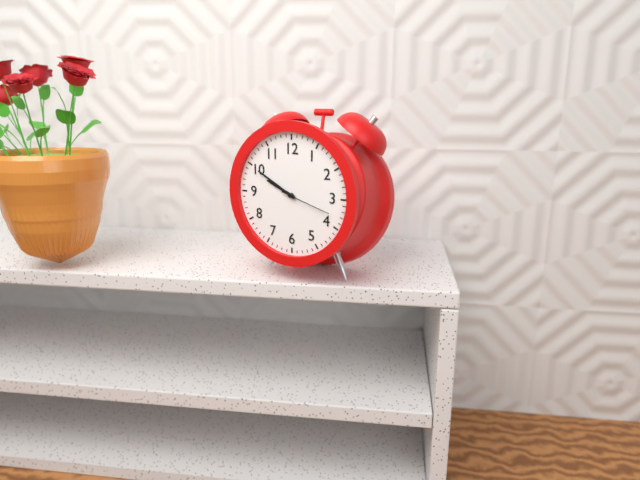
9:50:18
